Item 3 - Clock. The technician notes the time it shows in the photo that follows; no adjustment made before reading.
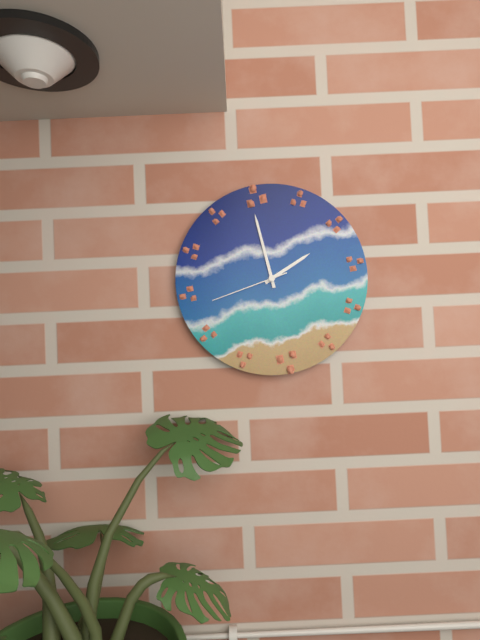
1:58:42
